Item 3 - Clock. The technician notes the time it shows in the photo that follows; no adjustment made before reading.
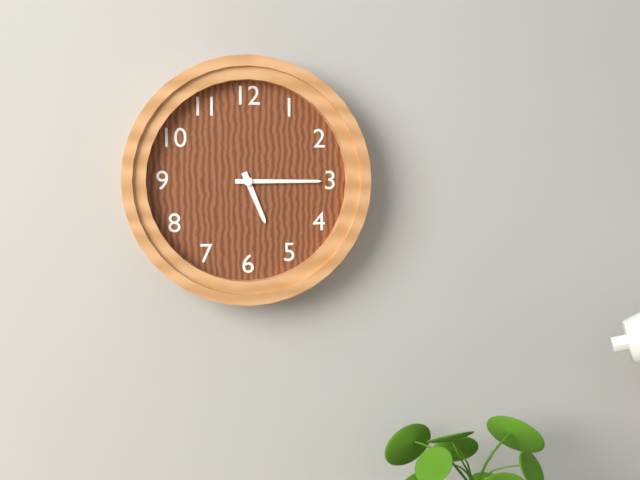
5:15
